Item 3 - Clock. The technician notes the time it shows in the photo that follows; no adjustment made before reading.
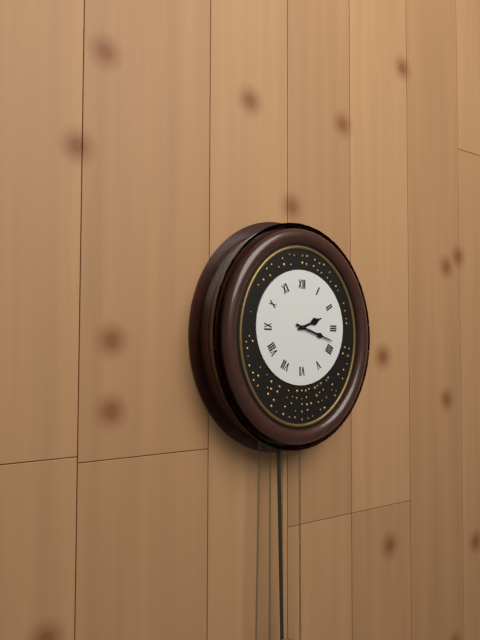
2:18
